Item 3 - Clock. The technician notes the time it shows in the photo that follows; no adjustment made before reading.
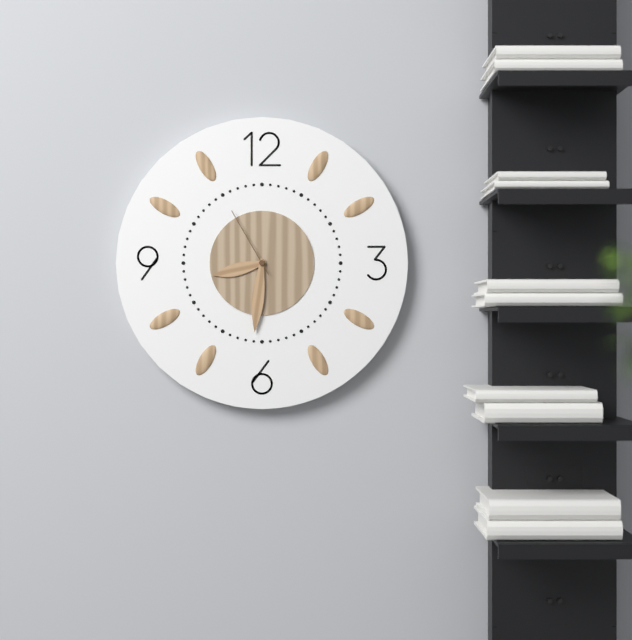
8:31:55
